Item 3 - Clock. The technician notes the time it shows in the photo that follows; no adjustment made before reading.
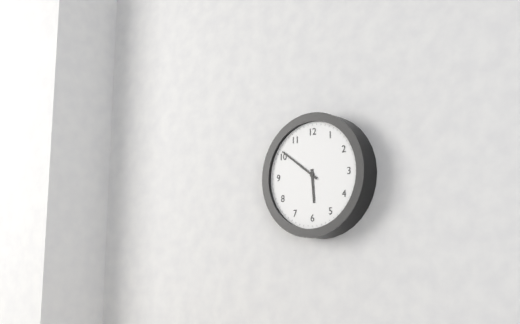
5:51
